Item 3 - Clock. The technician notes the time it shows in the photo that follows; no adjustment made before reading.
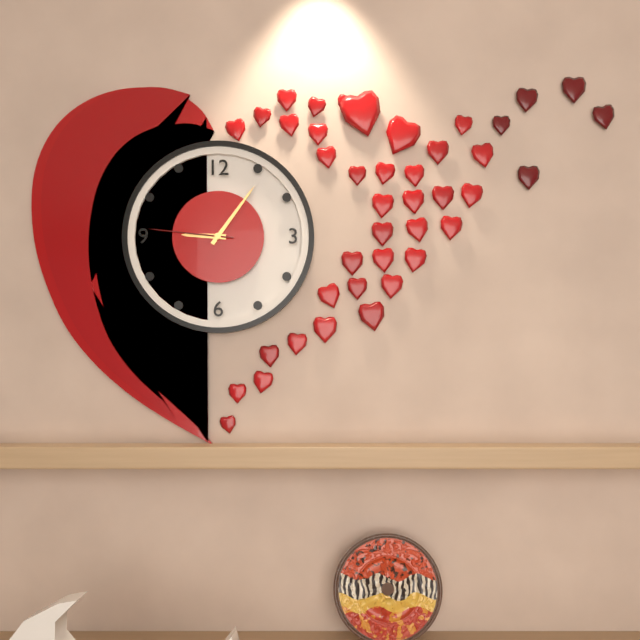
9:06:46
